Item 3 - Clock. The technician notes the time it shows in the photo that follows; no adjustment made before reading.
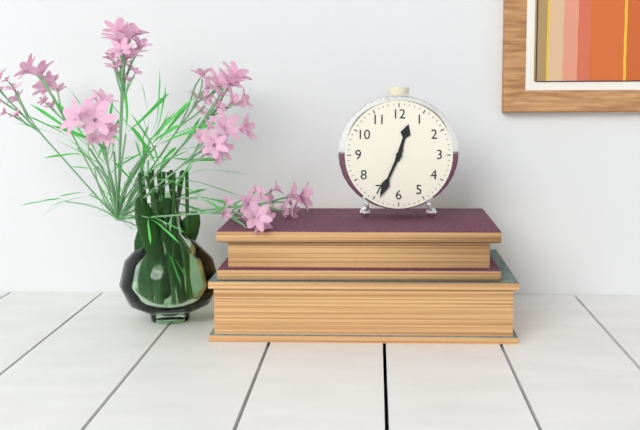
12:34
